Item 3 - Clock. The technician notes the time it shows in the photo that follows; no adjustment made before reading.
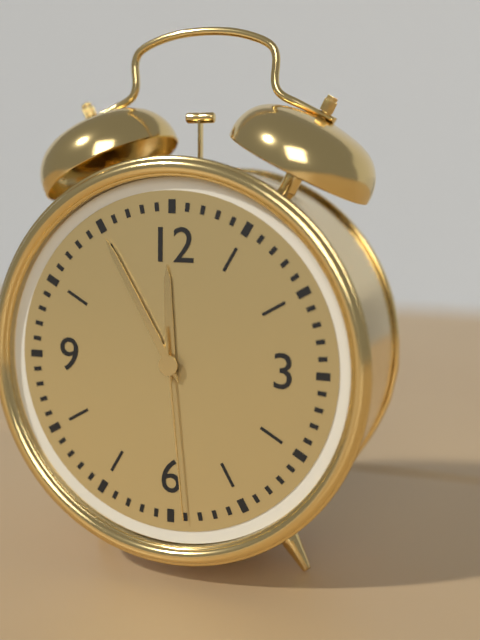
11:55:29
